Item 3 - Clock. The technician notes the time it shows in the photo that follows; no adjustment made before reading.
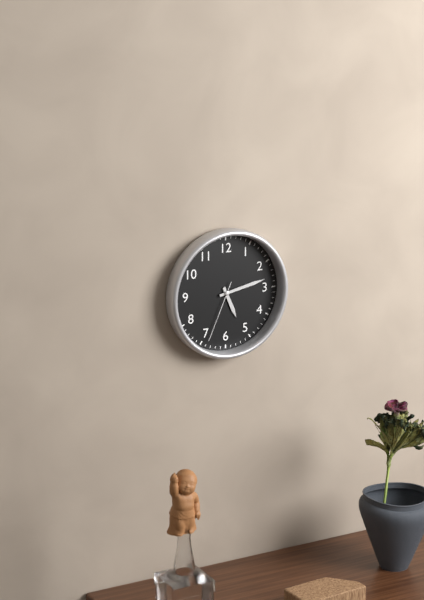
5:13:34
